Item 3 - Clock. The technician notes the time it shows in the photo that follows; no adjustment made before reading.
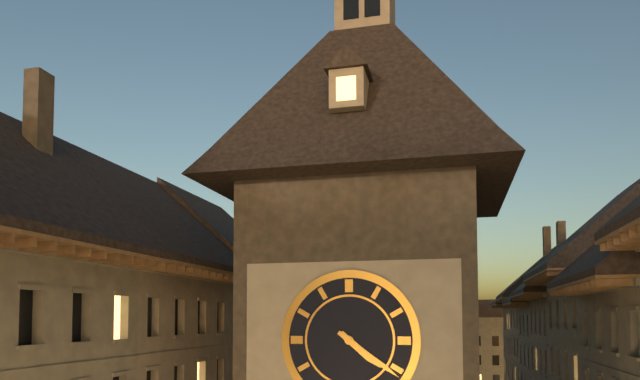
4:21
